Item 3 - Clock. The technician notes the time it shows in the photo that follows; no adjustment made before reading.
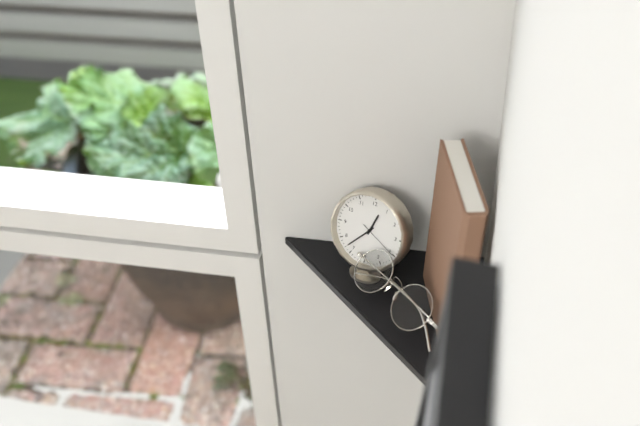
12:37
